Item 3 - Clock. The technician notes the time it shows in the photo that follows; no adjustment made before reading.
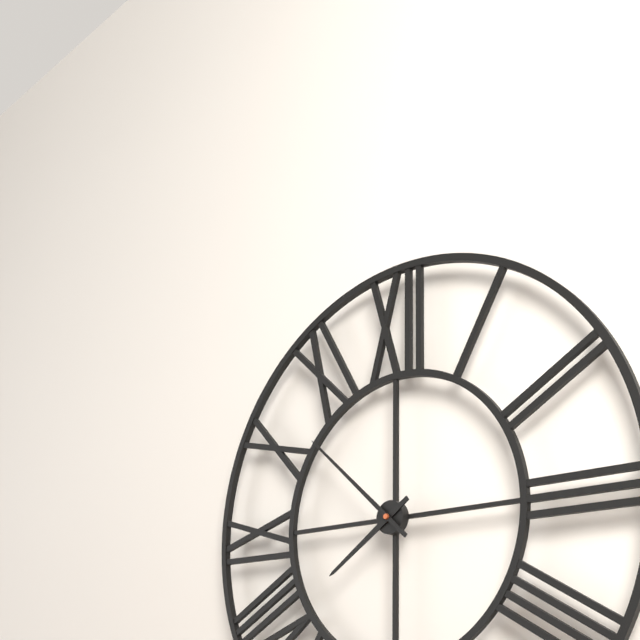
7:52
